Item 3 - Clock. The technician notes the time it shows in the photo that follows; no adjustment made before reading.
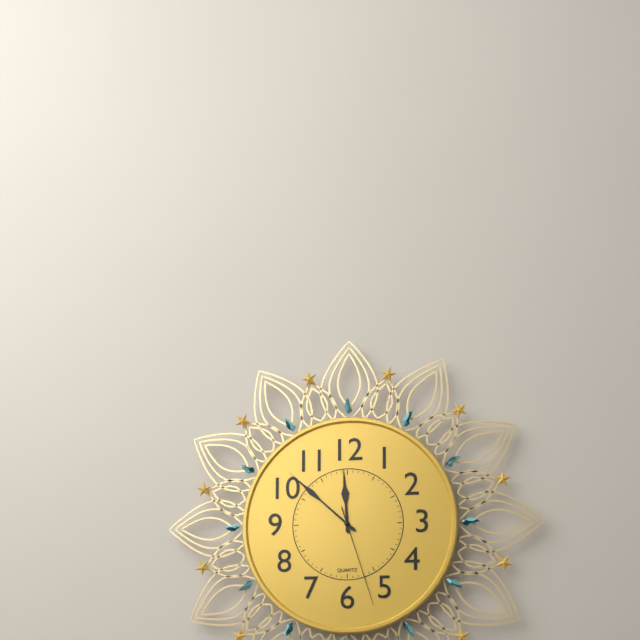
11:52:27
